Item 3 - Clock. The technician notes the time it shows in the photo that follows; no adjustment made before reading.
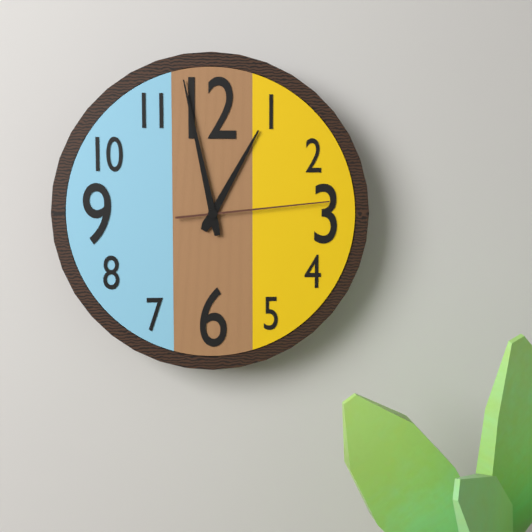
12:58:14
